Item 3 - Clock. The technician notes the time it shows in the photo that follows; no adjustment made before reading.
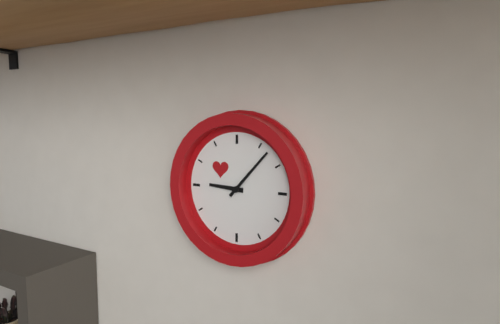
9:07
